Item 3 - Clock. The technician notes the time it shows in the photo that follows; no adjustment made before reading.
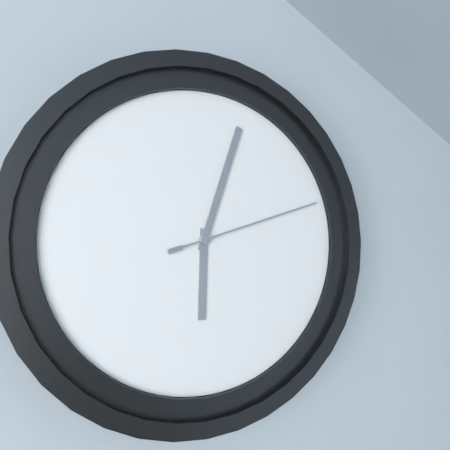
6:03:12
